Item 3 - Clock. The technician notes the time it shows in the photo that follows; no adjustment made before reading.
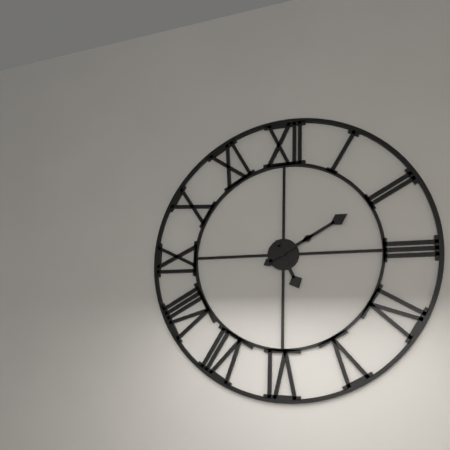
5:10
